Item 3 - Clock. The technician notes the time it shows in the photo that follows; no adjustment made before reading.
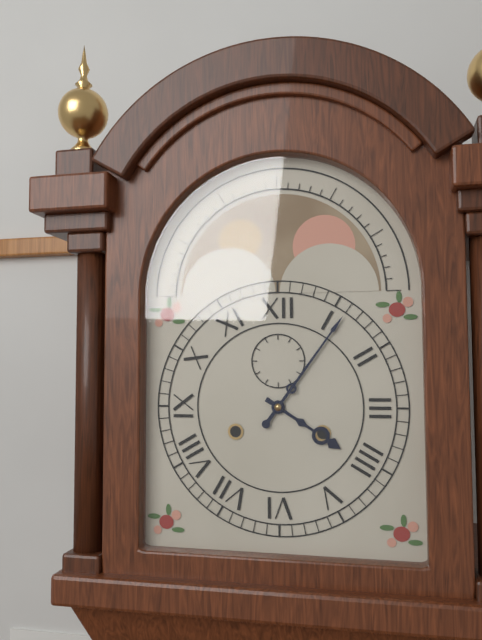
4:06
